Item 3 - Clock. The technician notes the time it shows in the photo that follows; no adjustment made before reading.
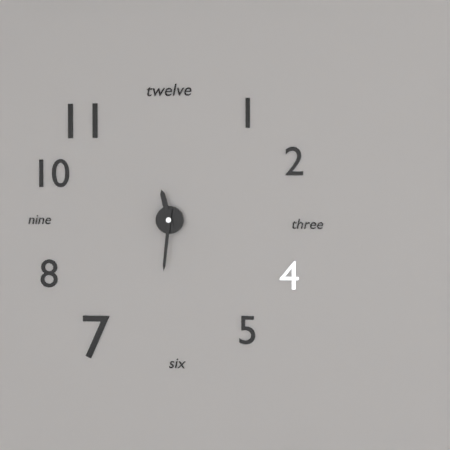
11:31
